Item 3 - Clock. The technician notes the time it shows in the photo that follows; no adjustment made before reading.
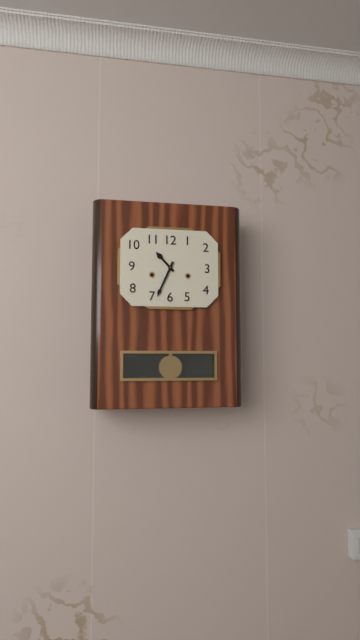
10:34
